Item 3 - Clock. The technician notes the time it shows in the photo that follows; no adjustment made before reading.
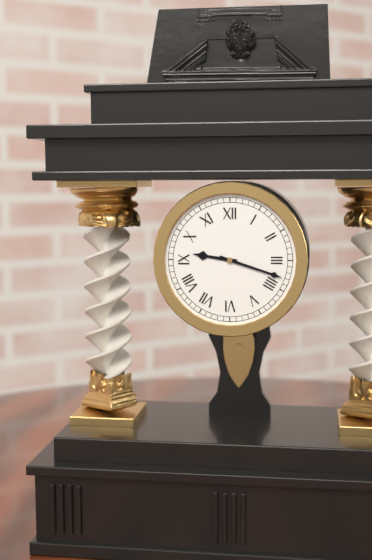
9:18
